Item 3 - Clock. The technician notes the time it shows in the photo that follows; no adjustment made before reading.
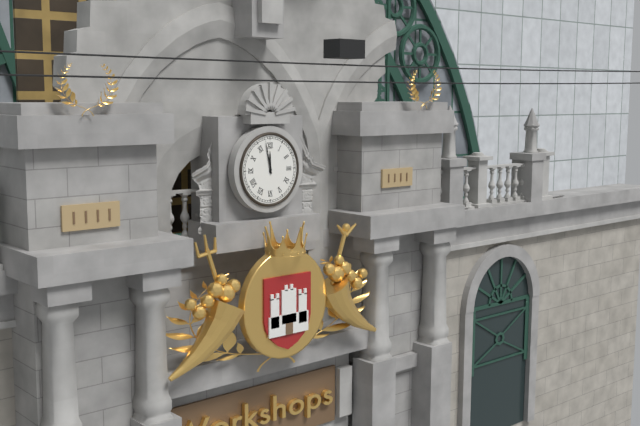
11:58
